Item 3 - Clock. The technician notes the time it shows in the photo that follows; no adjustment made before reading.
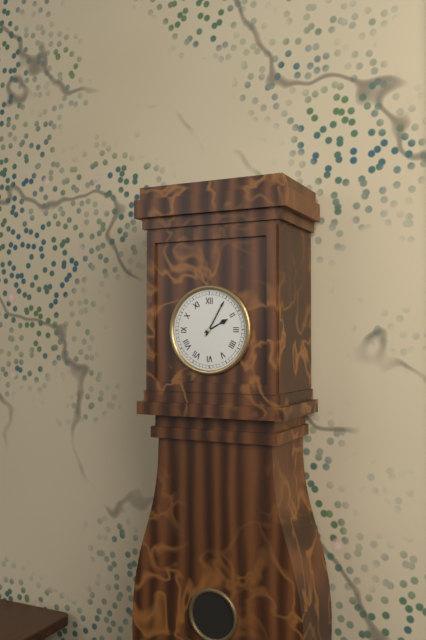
2:05
